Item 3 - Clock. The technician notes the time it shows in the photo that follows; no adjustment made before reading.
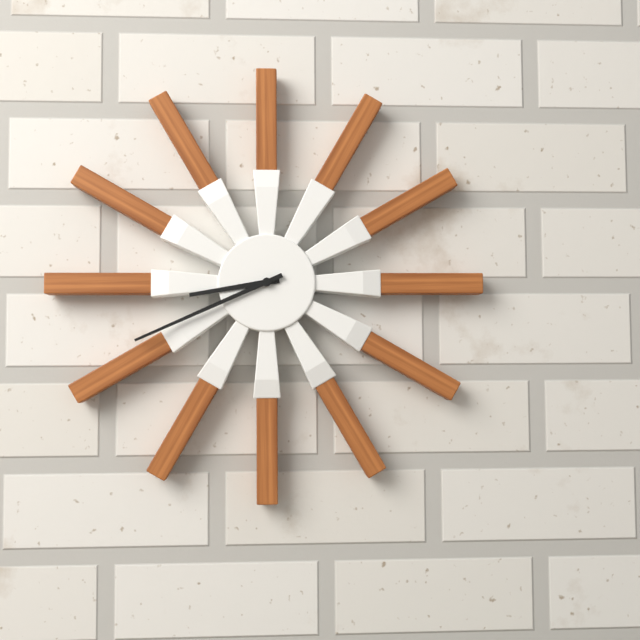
8:41
